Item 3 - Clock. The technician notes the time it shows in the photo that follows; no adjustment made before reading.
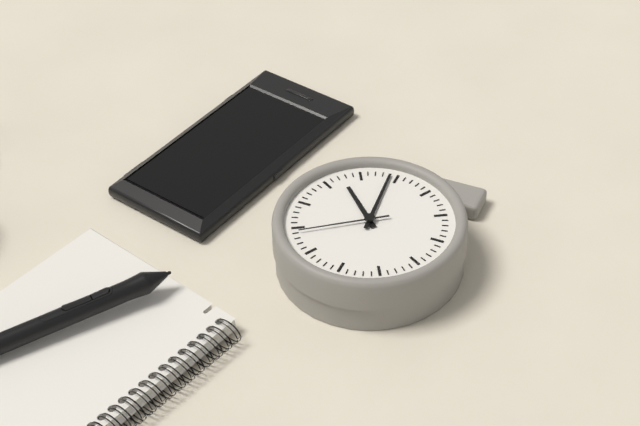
4:29:09
